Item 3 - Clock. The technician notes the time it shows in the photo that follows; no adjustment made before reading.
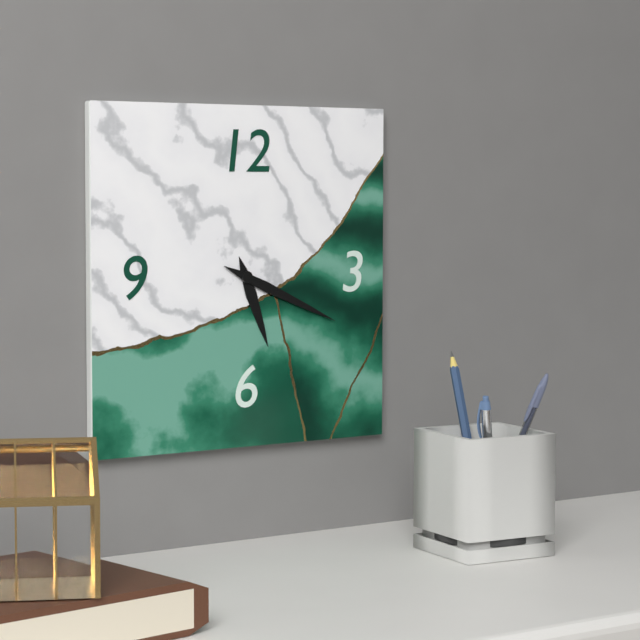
5:19
